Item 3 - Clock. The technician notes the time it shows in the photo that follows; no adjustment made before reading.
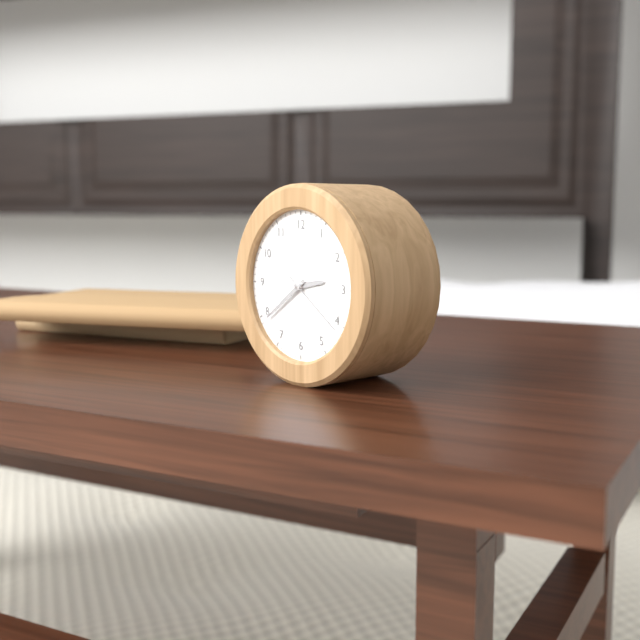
2:39:21
